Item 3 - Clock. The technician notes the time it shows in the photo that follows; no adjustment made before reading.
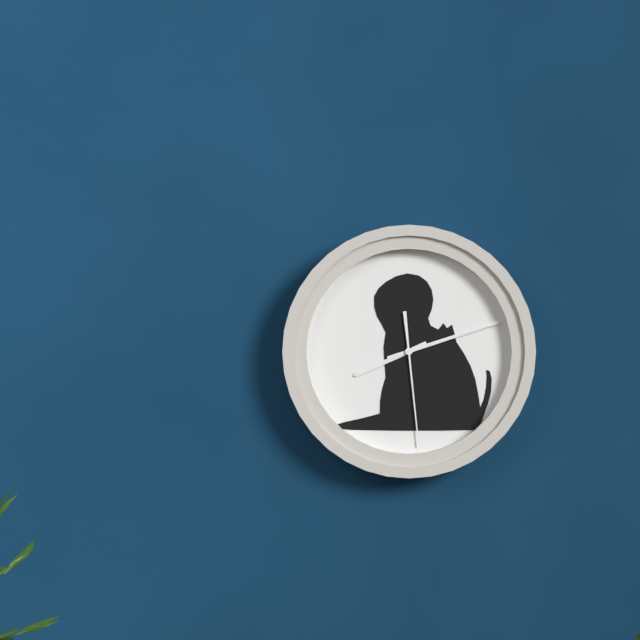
8:12:29
